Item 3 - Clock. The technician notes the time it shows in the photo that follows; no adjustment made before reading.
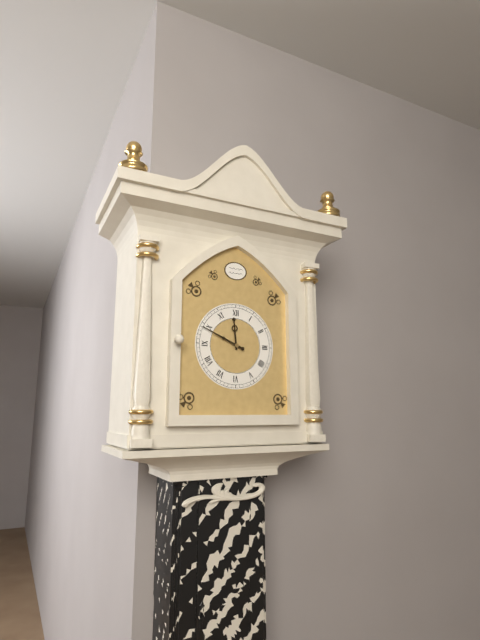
11:49
